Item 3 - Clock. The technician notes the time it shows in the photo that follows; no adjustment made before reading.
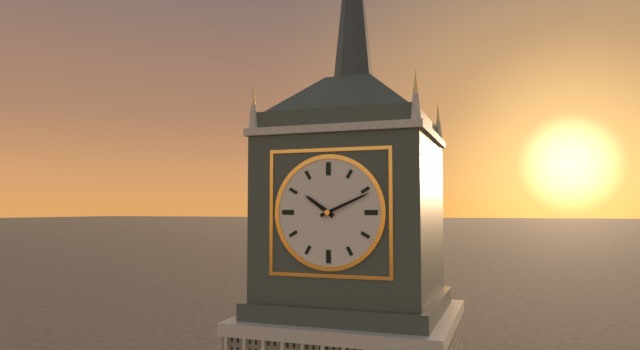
10:11
